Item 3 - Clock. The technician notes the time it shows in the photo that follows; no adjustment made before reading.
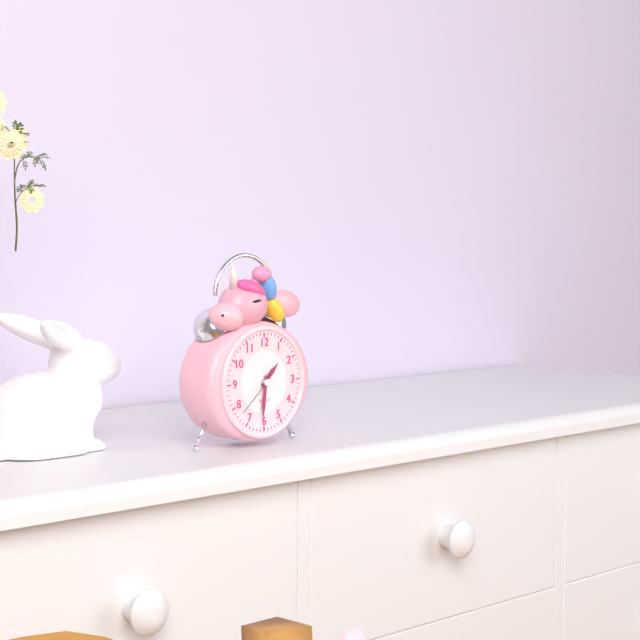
1:31
